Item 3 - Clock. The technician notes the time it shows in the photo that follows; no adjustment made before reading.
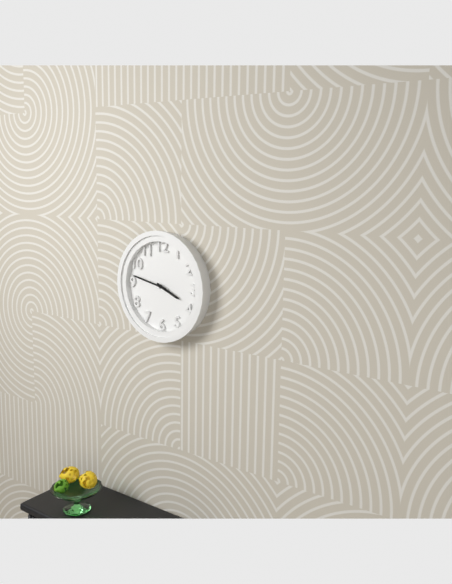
3:47
